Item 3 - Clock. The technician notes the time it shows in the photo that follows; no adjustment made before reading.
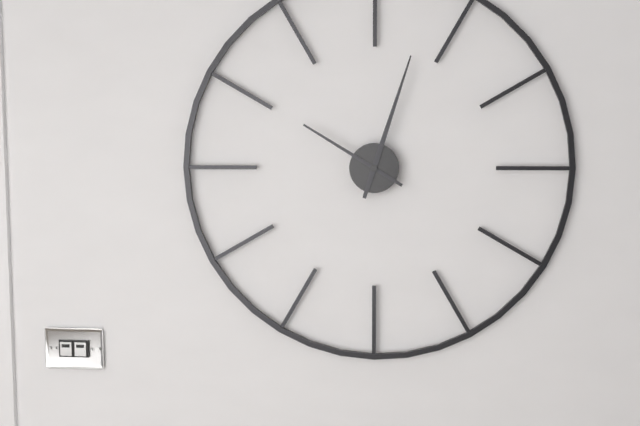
10:03
